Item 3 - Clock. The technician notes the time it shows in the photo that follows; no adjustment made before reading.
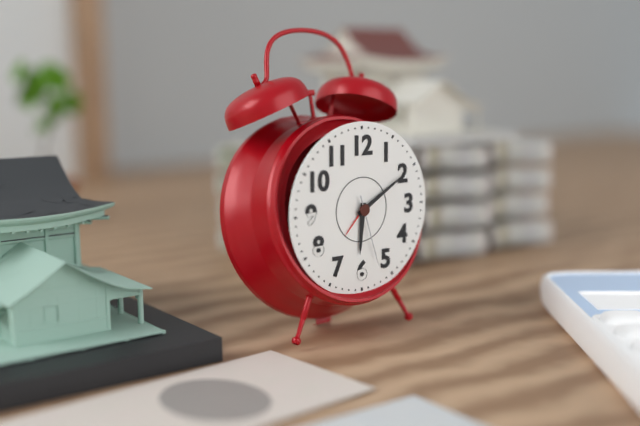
6:10:27
